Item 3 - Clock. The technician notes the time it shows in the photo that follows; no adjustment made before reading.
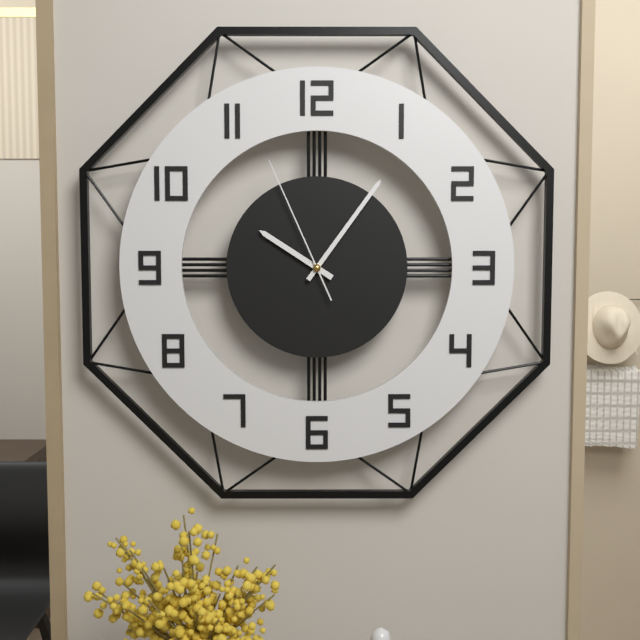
10:06:56
